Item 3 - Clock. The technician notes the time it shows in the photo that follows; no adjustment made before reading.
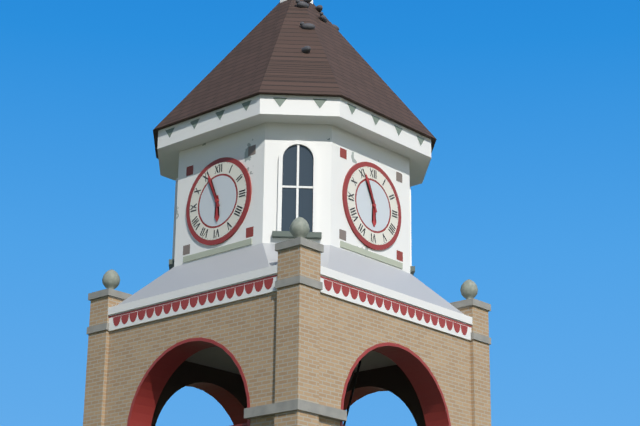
5:56
